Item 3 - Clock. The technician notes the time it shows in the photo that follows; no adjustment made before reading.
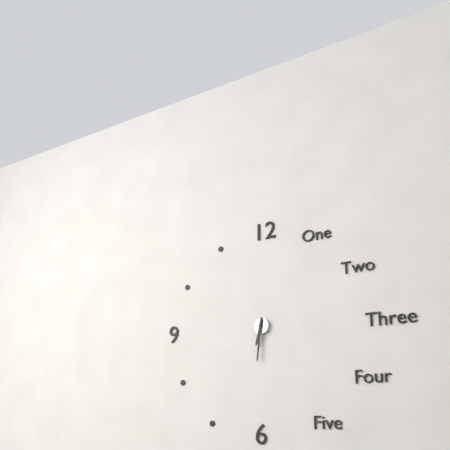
6:31
